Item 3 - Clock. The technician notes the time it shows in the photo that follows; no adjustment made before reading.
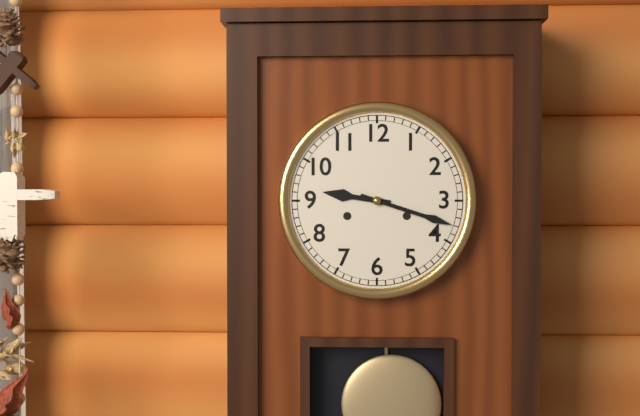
9:18
